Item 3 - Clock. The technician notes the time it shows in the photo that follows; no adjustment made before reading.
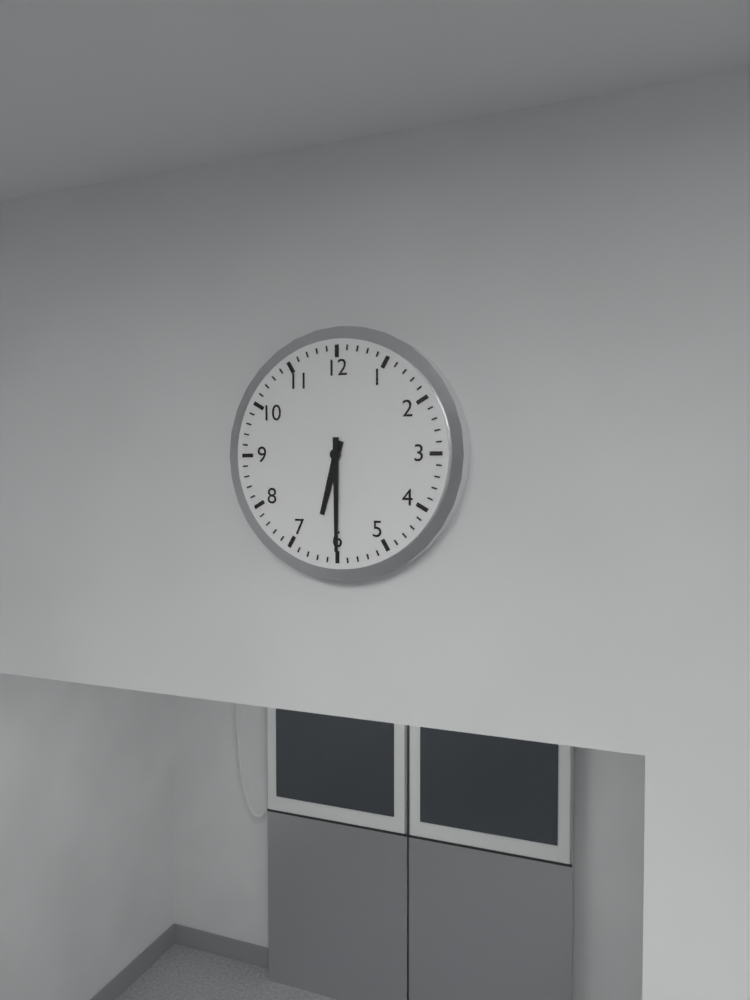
6:30
